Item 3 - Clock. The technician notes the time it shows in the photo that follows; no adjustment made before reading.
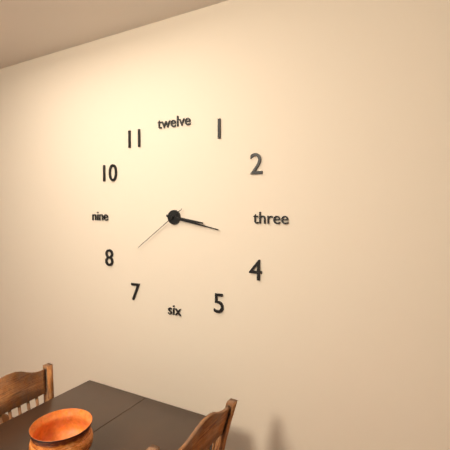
3:17:39
